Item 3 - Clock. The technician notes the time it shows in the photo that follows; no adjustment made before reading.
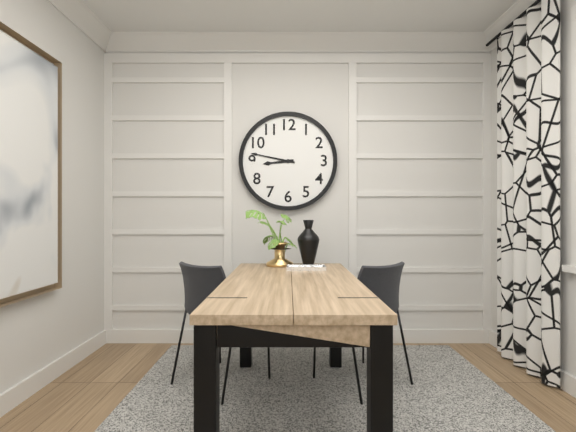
8:47
